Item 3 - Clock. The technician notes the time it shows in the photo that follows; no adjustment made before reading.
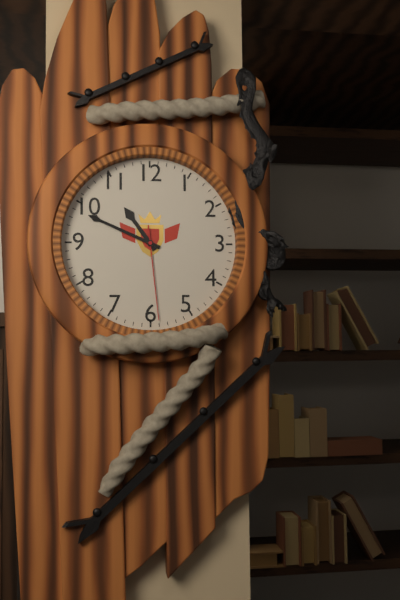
10:49:29
